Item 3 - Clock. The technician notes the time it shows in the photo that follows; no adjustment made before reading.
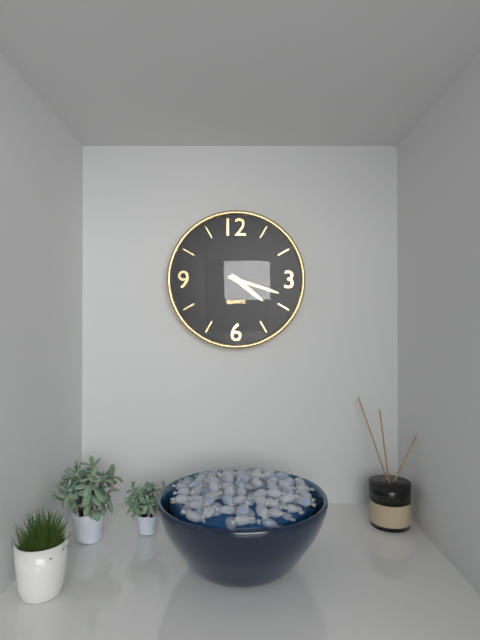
4:18
